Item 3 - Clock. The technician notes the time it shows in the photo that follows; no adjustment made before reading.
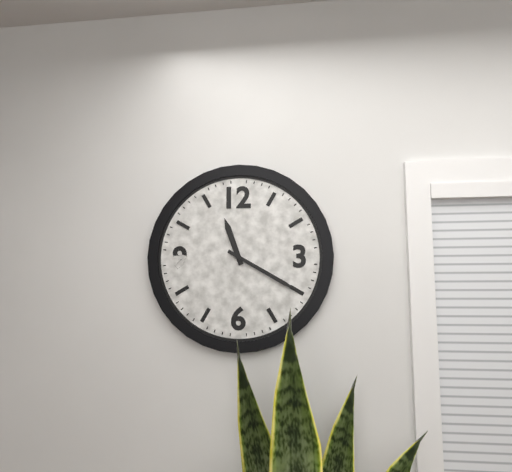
11:20
